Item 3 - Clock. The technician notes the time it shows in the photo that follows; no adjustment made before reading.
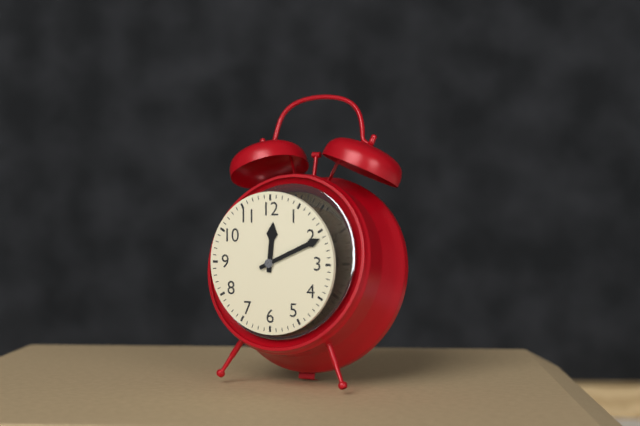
12:11
